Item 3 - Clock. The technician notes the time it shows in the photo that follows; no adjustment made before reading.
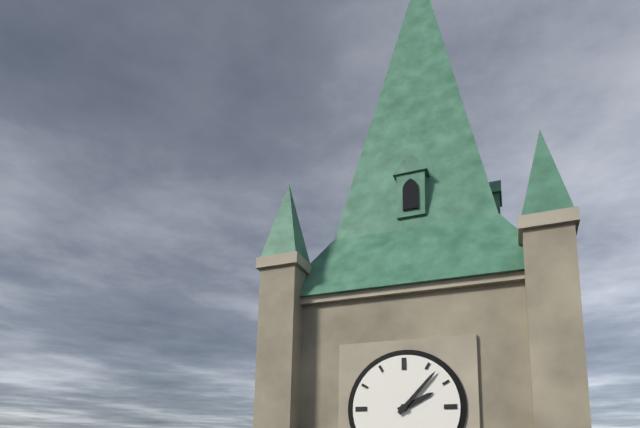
2:07
